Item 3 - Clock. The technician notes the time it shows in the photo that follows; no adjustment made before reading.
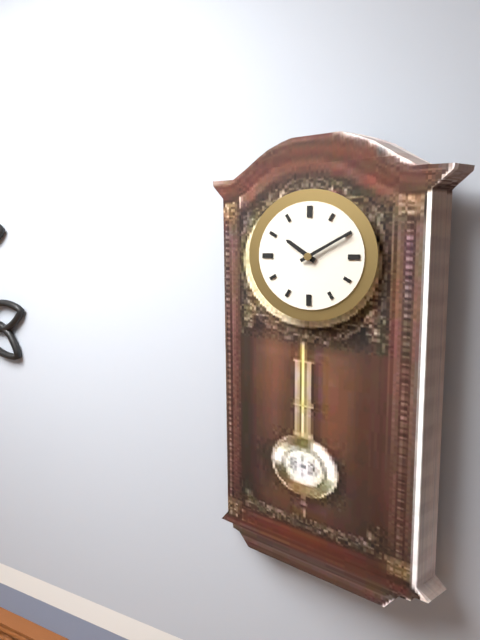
10:10
